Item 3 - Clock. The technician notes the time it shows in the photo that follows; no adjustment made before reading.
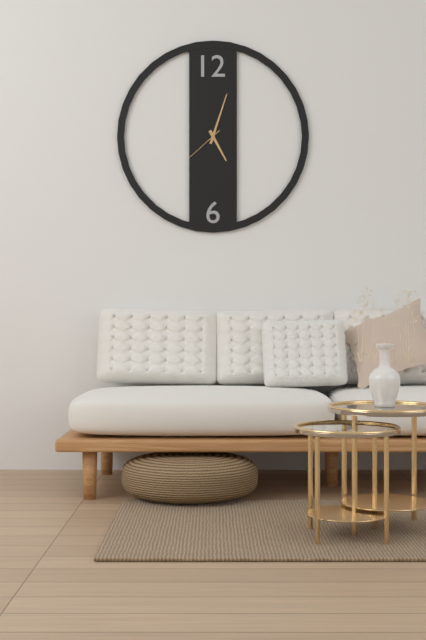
5:03
